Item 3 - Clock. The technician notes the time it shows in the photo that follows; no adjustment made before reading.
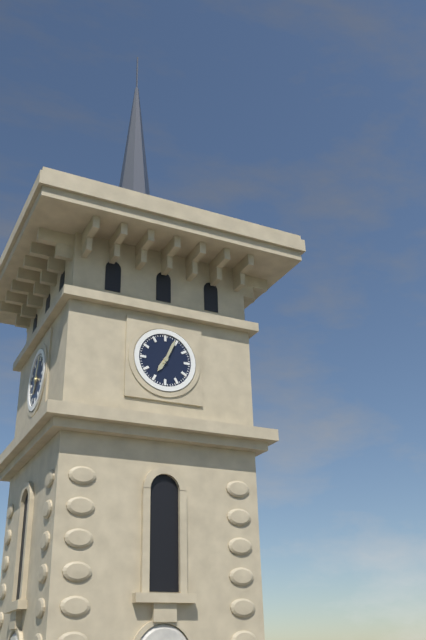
7:04
